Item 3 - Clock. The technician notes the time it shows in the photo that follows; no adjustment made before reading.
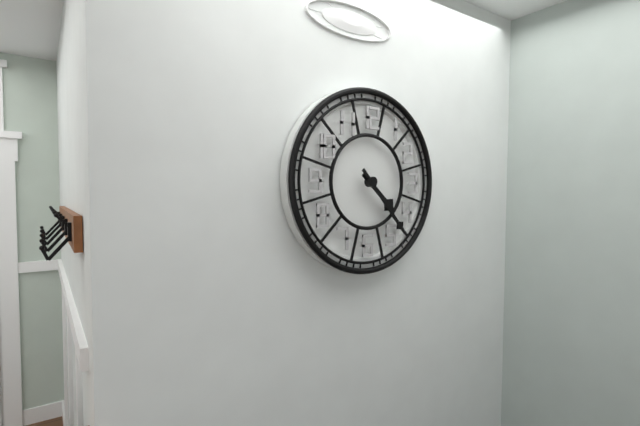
4:23
